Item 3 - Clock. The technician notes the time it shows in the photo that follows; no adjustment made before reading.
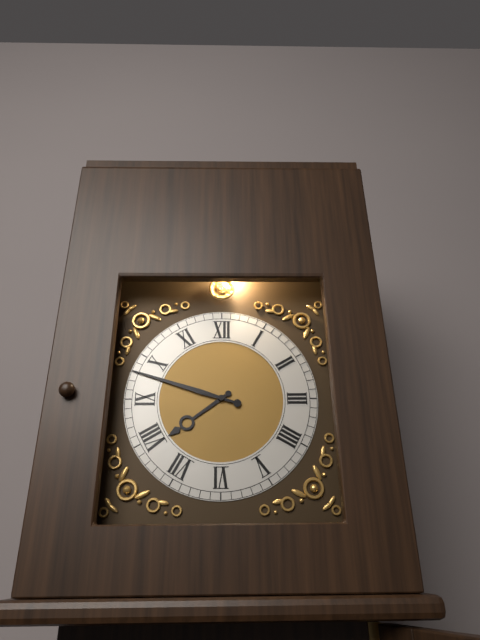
7:48
